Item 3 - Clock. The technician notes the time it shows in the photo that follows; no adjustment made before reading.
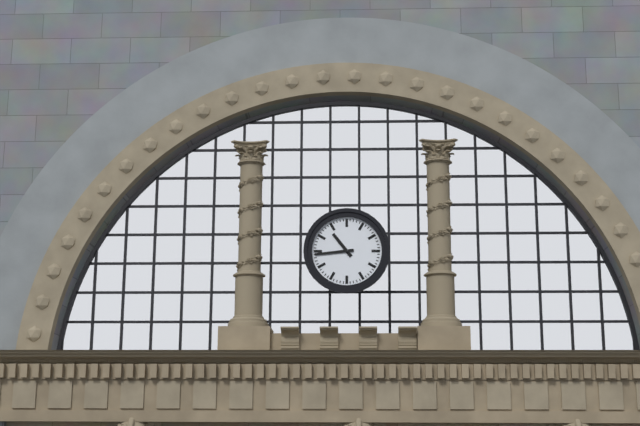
10:44
